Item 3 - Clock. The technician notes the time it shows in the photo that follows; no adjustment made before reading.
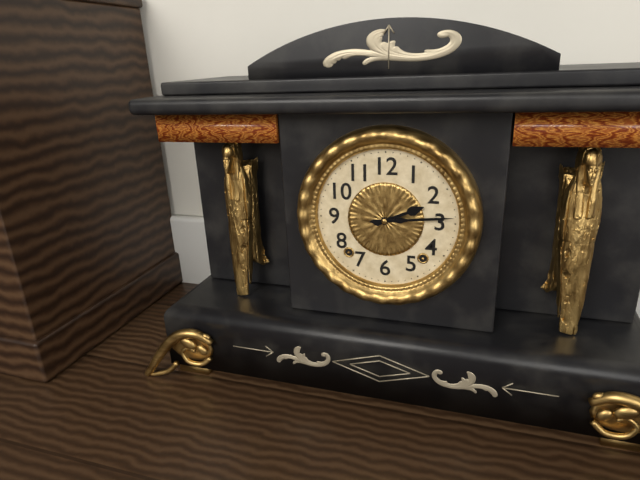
2:14
